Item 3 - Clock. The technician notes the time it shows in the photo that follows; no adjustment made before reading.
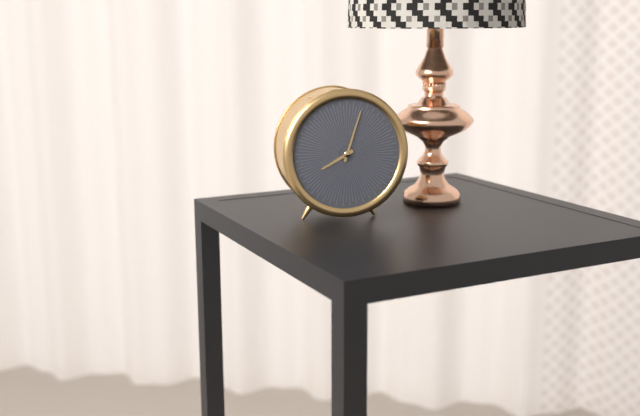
8:03
